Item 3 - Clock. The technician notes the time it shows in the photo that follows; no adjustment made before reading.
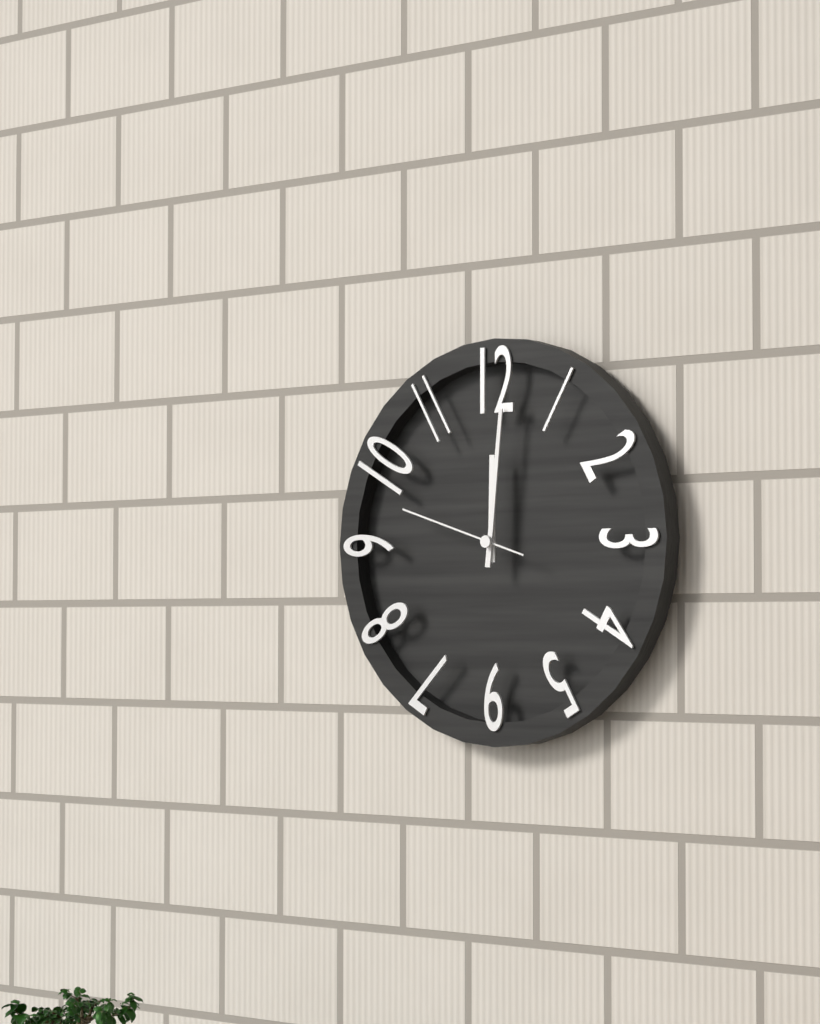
12:01:48
